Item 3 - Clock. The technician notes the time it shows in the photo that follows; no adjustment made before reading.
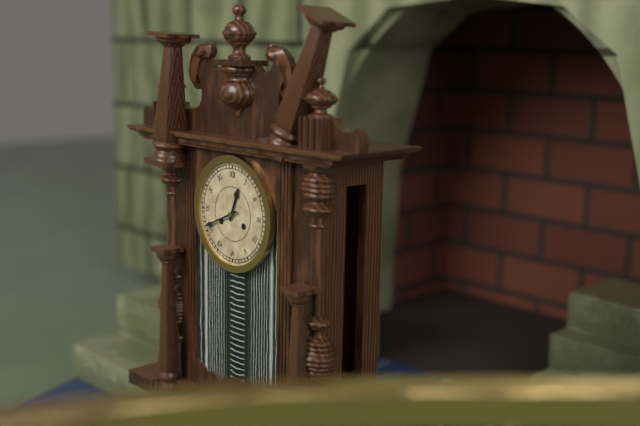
12:41
